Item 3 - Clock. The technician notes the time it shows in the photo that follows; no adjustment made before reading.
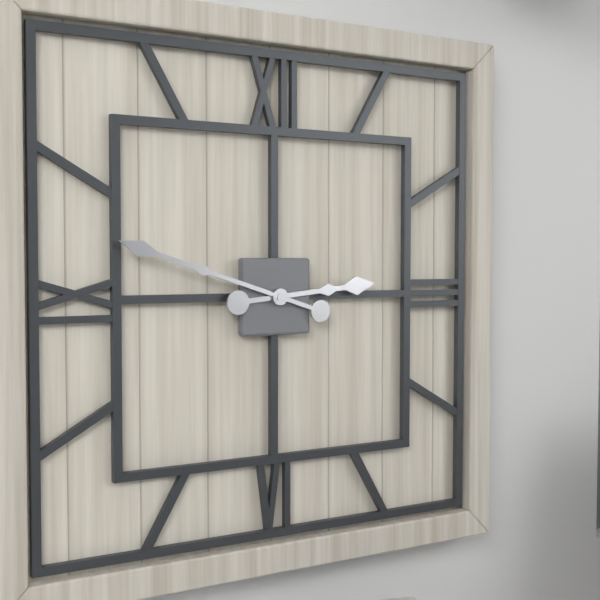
2:48
